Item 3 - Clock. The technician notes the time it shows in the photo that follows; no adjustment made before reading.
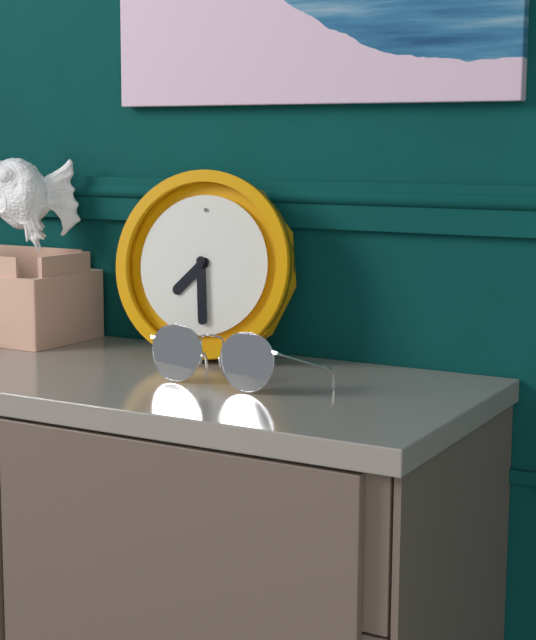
7:29
